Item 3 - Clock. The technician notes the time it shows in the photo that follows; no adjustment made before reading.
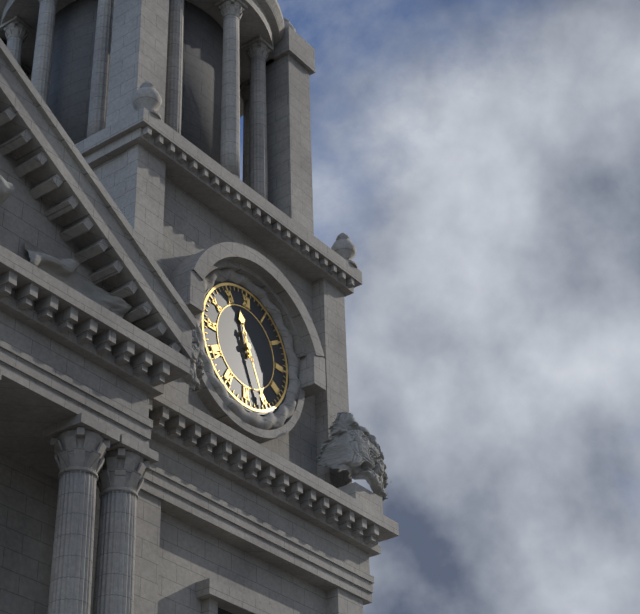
11:26
